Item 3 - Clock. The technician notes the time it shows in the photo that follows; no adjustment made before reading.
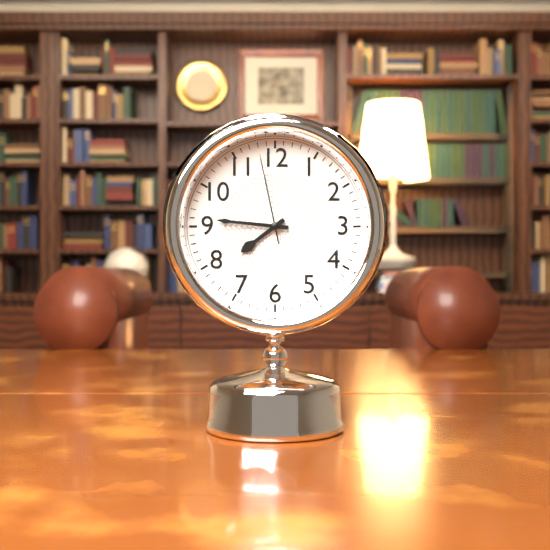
7:46:58
